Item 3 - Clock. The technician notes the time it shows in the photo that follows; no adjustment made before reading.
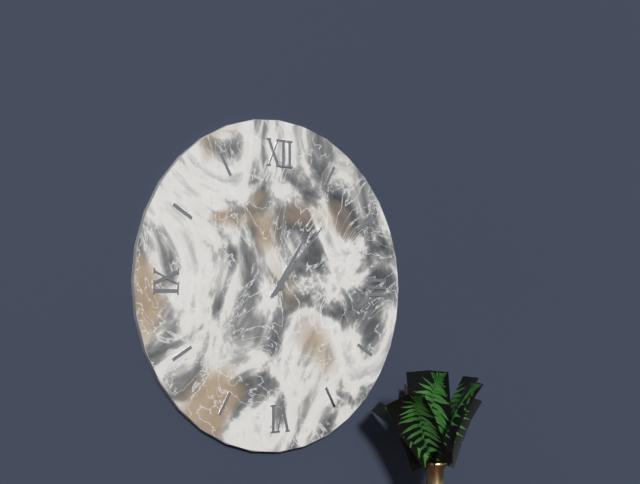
1:07
